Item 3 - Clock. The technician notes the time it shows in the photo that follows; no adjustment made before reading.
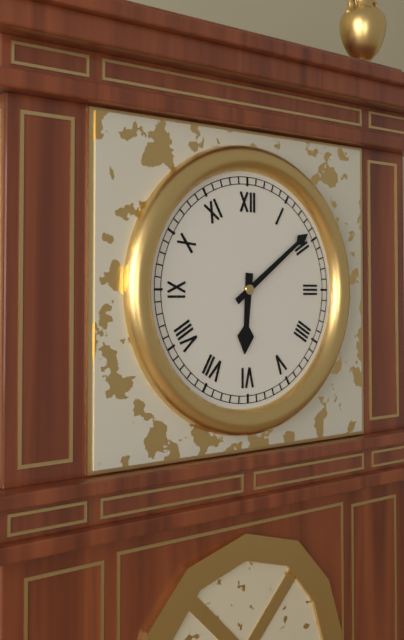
6:09
